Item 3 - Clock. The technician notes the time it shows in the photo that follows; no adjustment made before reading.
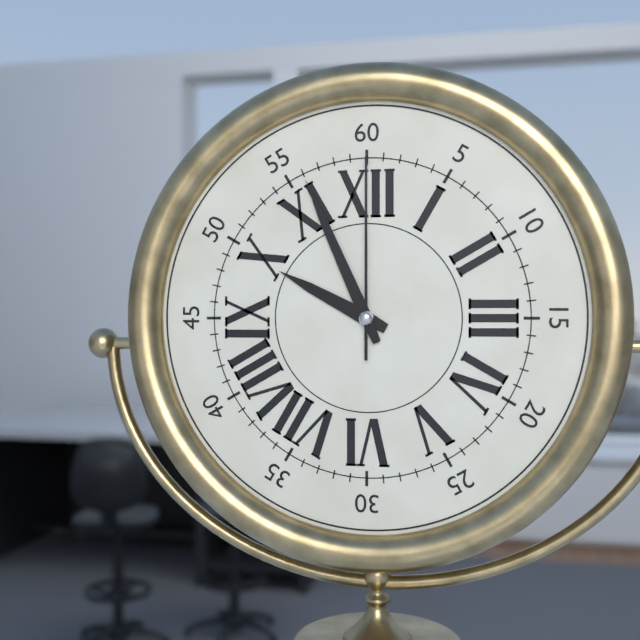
9:56:00
